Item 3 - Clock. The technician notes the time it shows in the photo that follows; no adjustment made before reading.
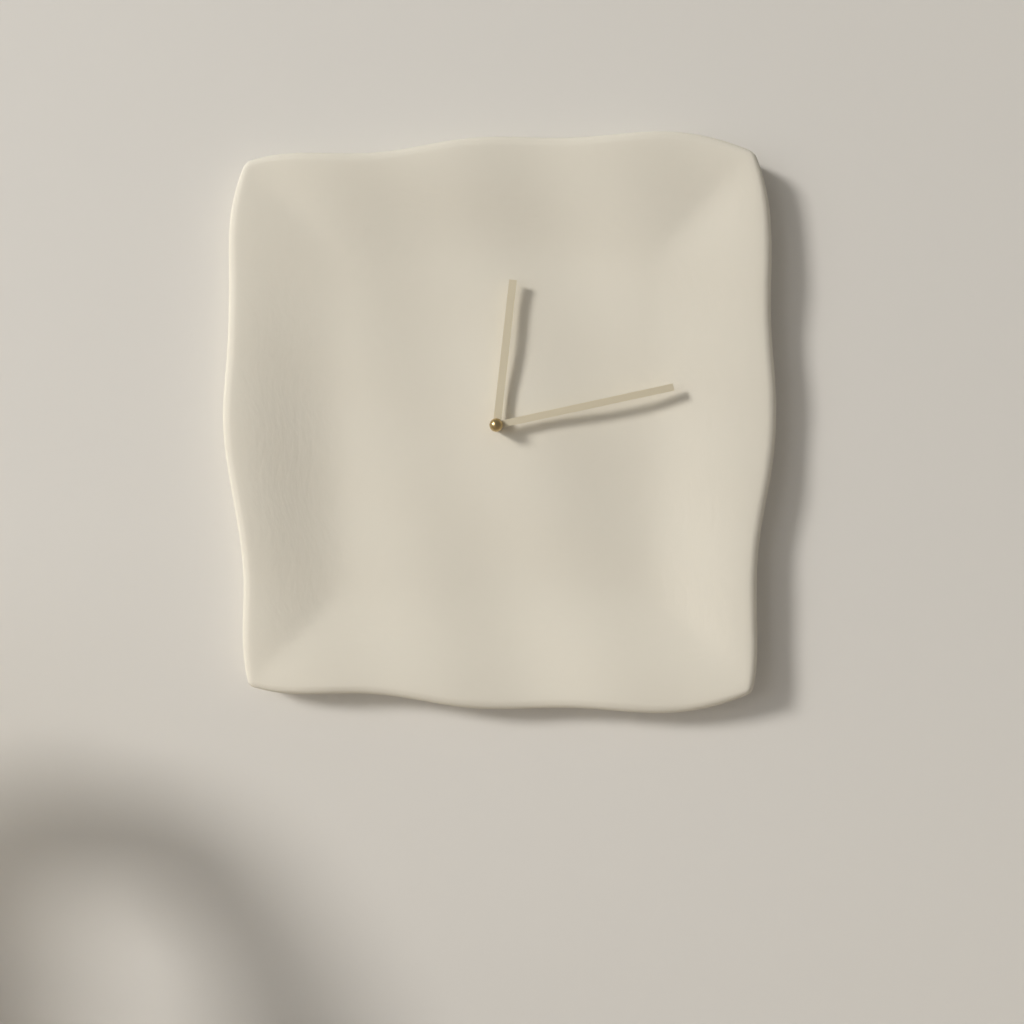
12:13
